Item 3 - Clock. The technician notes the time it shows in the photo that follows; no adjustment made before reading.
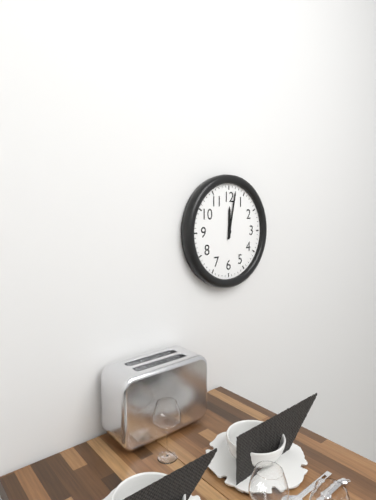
12:02
